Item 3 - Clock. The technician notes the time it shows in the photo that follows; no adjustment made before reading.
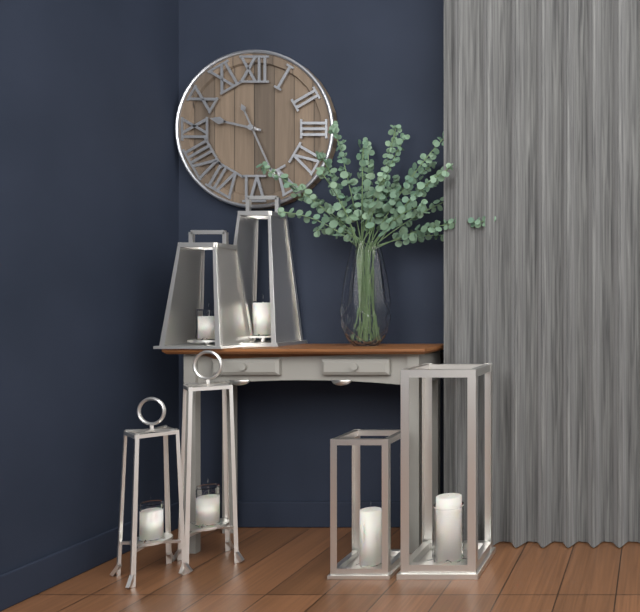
9:26
